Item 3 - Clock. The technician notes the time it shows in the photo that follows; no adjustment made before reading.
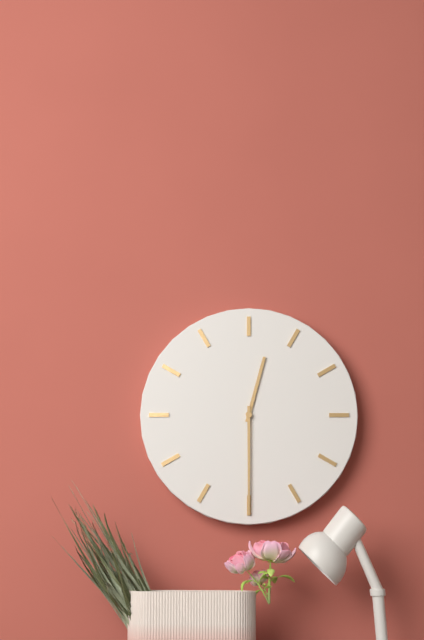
12:30
